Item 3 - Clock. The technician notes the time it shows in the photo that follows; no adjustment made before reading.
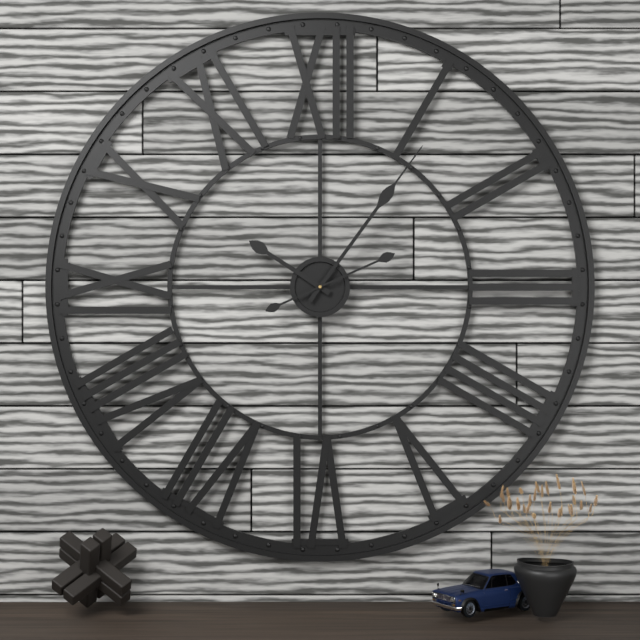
10:06:11
